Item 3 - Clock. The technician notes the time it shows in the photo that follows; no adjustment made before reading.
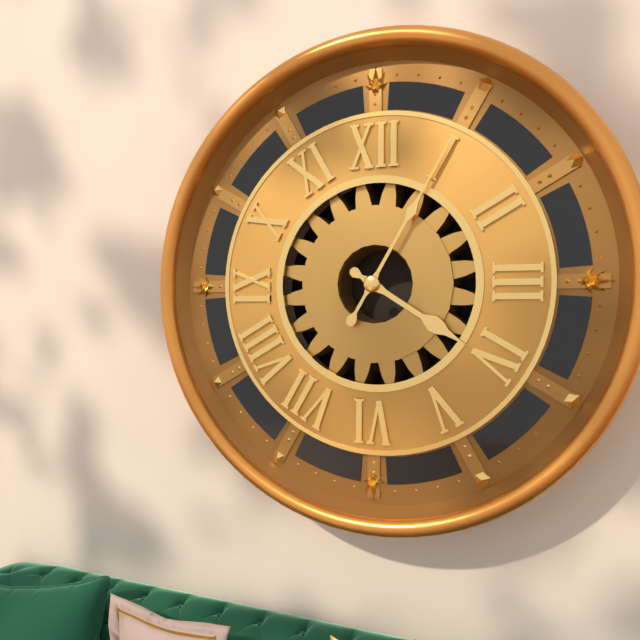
4:05
